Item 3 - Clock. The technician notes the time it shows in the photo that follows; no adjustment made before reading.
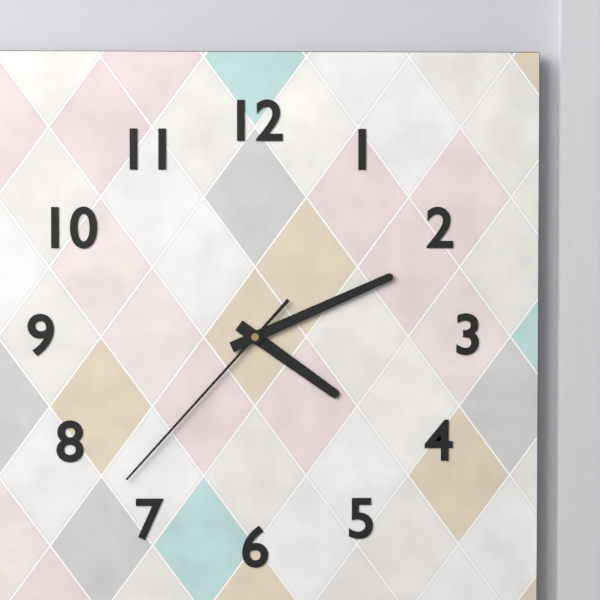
4:11:37
